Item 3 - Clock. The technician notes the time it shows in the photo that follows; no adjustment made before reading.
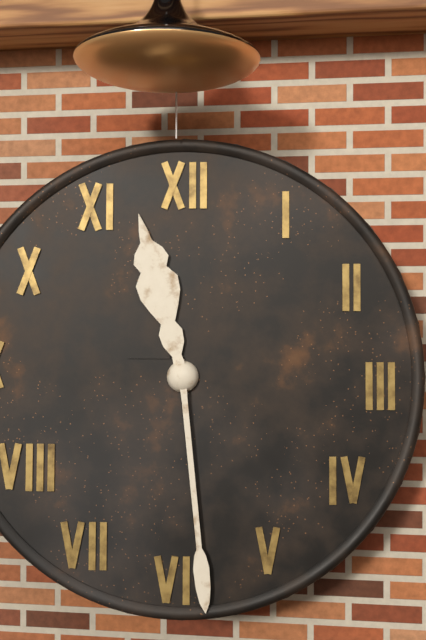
11:29
